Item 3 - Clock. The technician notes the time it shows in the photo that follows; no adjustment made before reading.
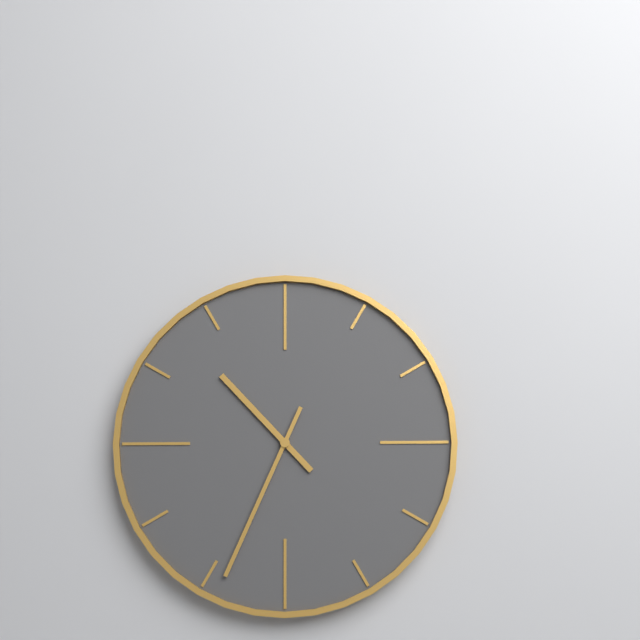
10:34
